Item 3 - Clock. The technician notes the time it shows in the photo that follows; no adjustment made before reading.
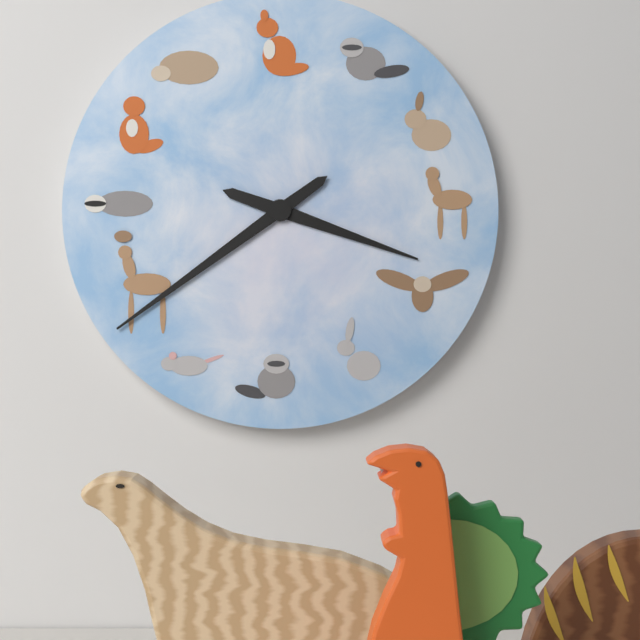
3:39
